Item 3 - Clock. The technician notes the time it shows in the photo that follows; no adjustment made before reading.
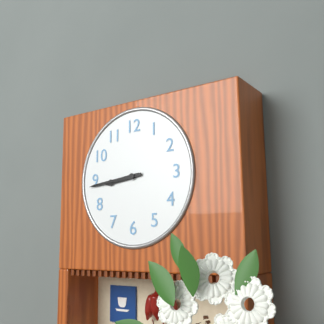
8:44
